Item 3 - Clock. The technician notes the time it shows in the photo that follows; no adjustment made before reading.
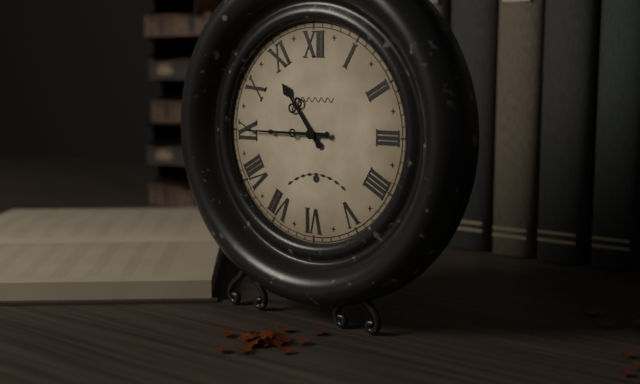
10:45
